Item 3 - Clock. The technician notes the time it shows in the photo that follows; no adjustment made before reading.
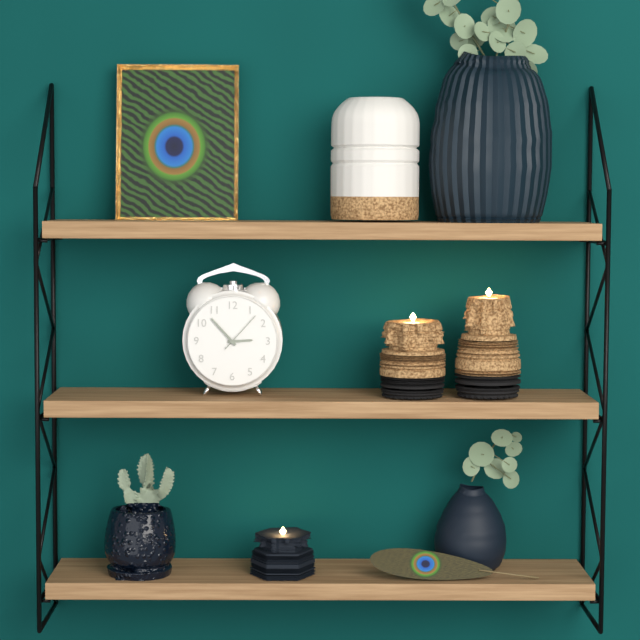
2:53
